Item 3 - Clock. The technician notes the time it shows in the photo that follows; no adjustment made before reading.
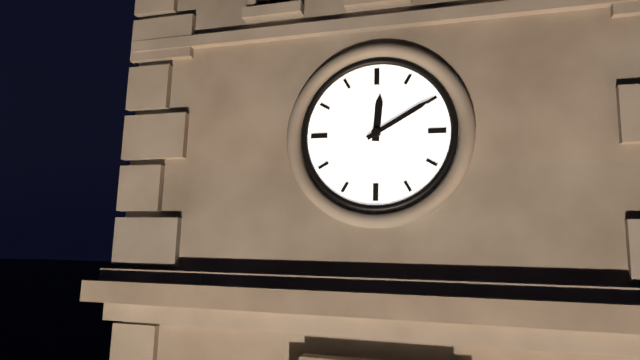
12:10
